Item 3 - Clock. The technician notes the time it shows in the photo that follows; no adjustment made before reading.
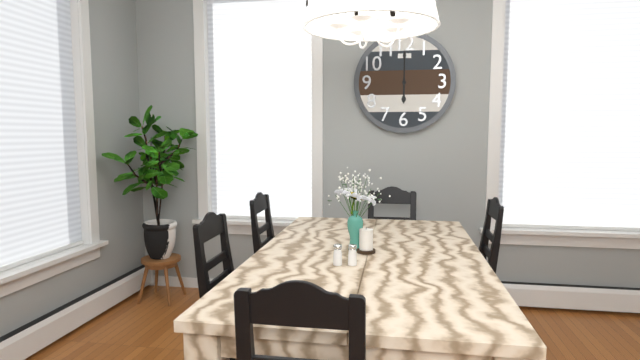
6:00
